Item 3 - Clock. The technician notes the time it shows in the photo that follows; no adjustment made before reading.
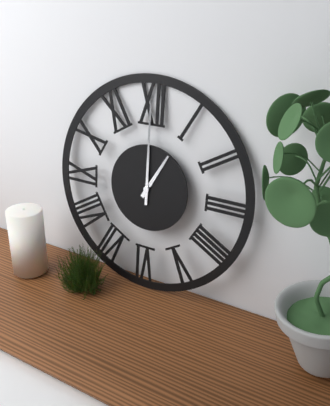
1:00
